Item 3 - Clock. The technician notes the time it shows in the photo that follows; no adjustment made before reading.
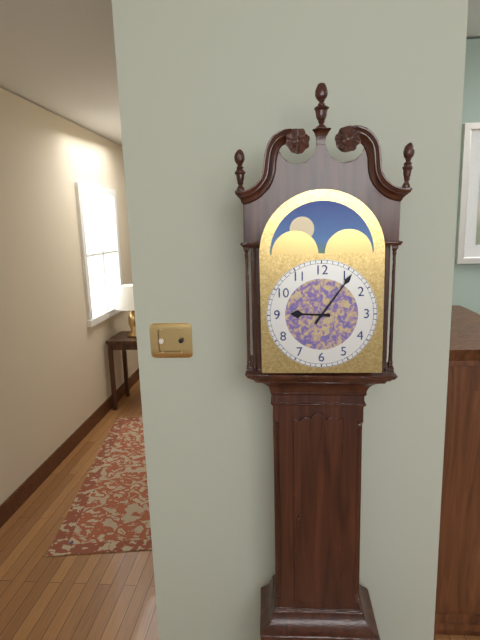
9:06
